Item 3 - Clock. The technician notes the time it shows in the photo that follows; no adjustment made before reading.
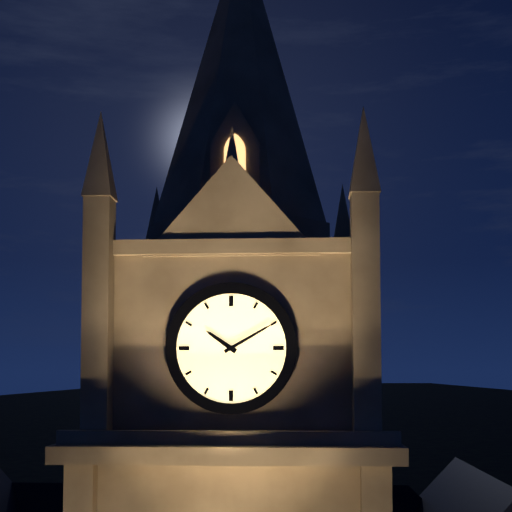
10:10
